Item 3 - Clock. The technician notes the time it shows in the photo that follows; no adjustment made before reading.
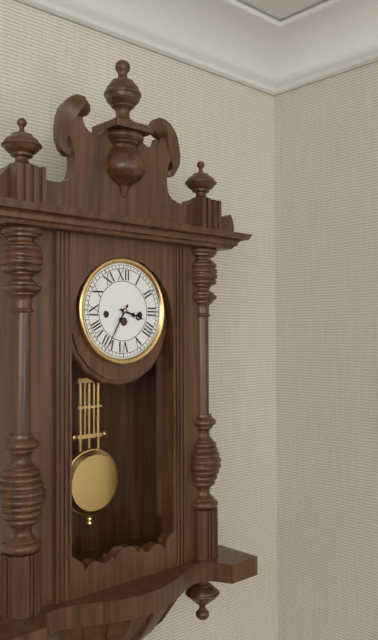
3:35
